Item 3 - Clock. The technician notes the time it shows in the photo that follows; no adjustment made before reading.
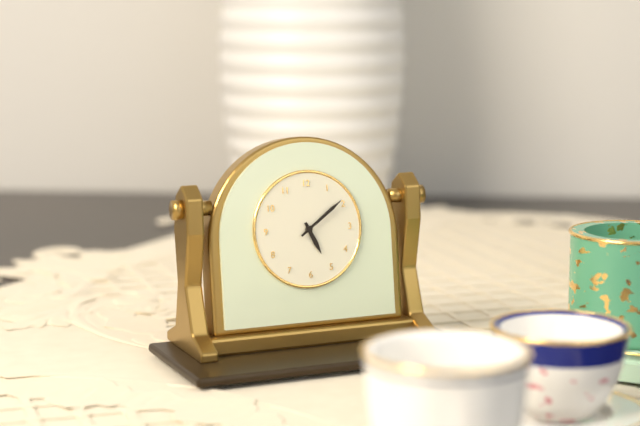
5:09
